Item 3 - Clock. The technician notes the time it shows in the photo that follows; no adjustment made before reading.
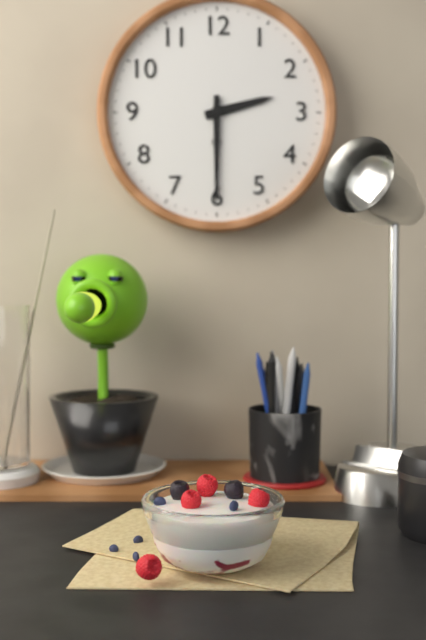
2:30
